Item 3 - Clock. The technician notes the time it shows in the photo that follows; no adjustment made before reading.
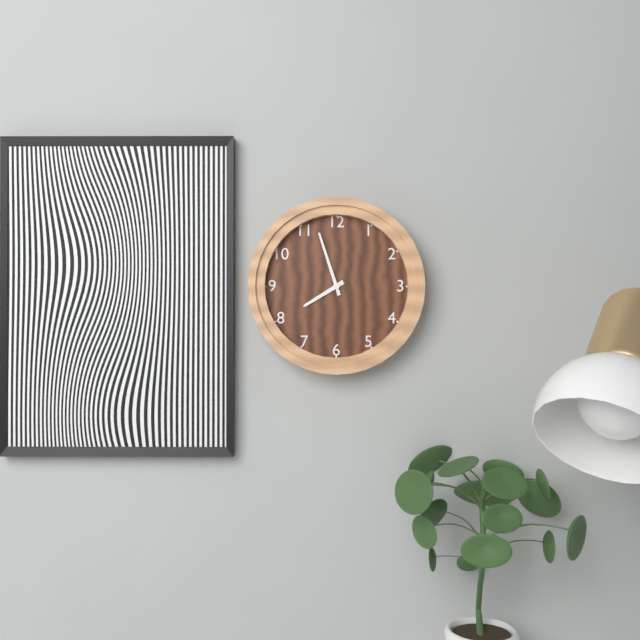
7:57
